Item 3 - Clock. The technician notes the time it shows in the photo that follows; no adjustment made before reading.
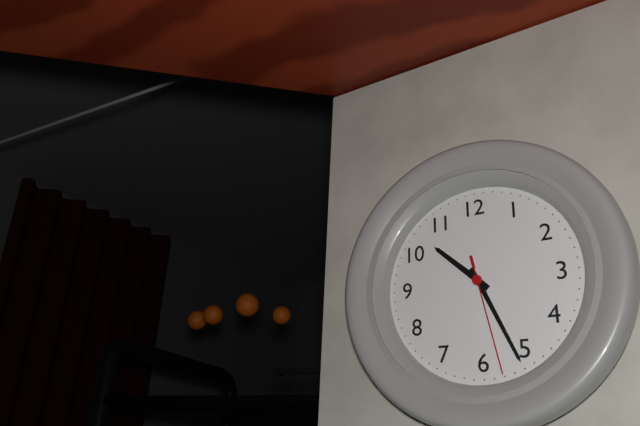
10:26:28
